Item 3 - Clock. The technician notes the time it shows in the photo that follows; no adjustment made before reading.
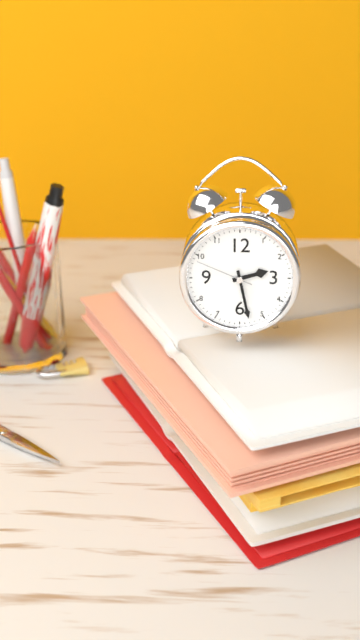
2:28:49
